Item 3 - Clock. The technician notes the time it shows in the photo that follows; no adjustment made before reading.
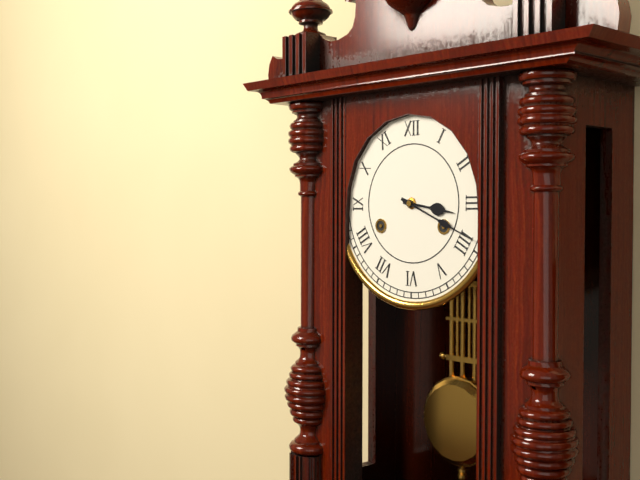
3:19
